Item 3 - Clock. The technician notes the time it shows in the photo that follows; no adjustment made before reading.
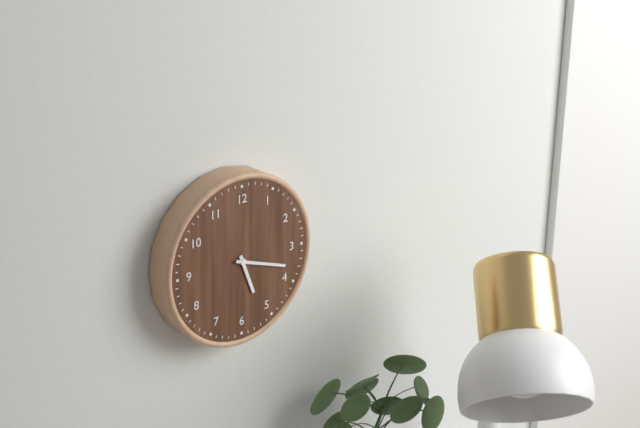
5:18
